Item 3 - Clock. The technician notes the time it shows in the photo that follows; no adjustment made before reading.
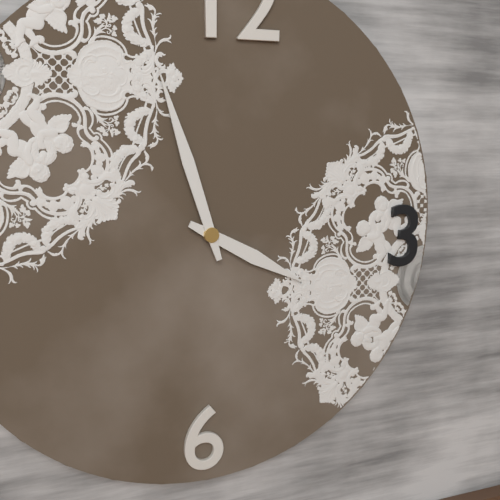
3:57
